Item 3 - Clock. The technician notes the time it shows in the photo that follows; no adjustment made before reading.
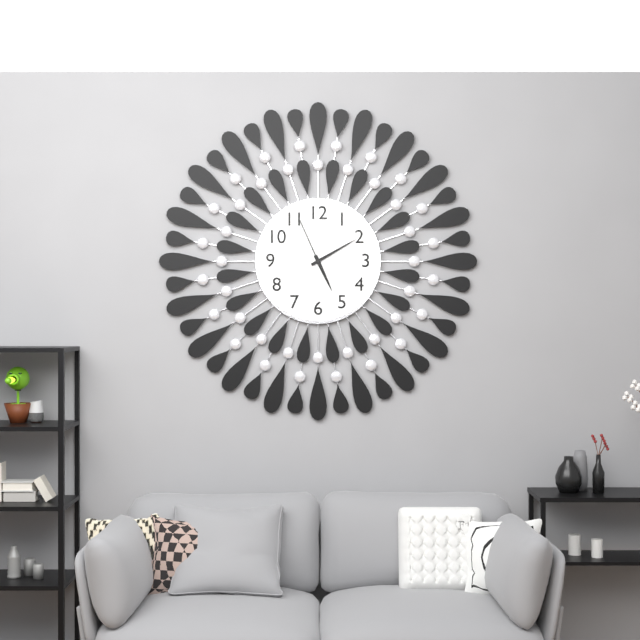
5:10:56
